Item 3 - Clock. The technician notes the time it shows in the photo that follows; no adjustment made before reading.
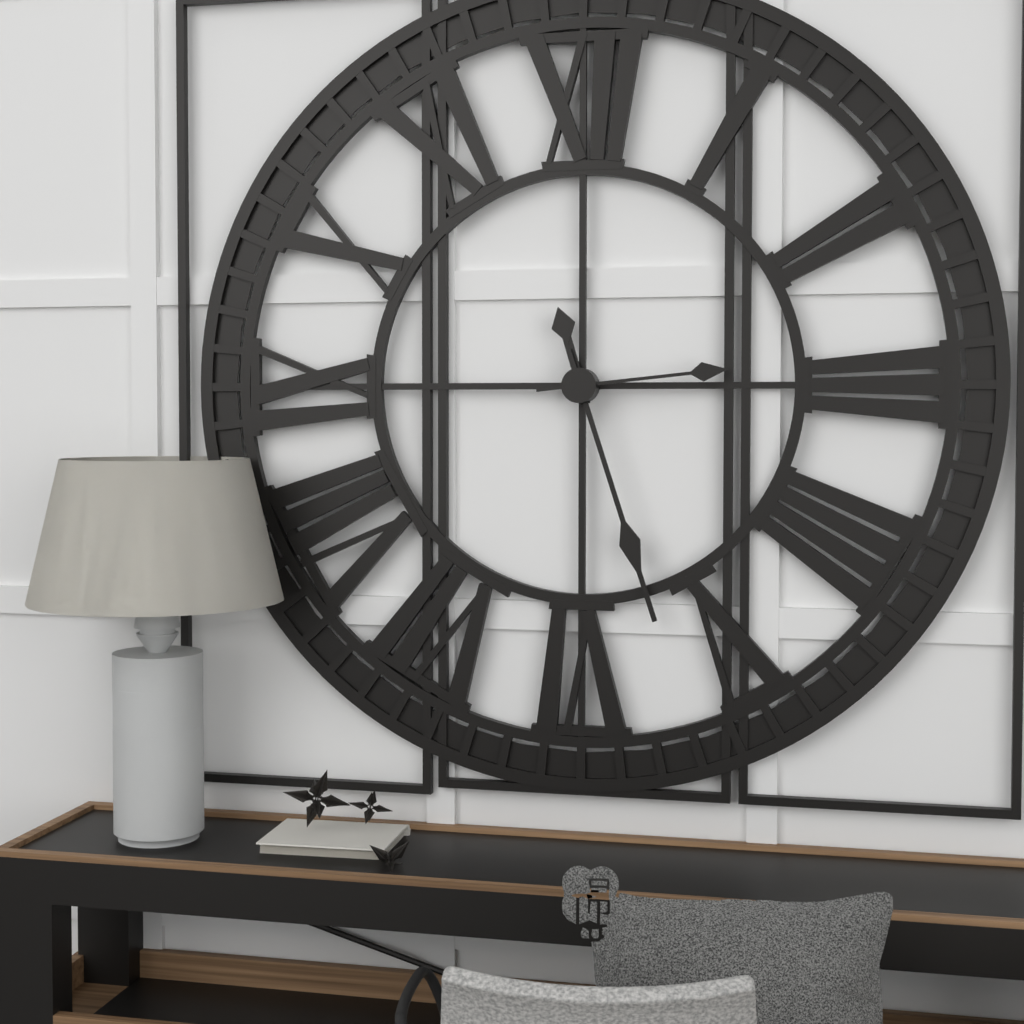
11:27:14
